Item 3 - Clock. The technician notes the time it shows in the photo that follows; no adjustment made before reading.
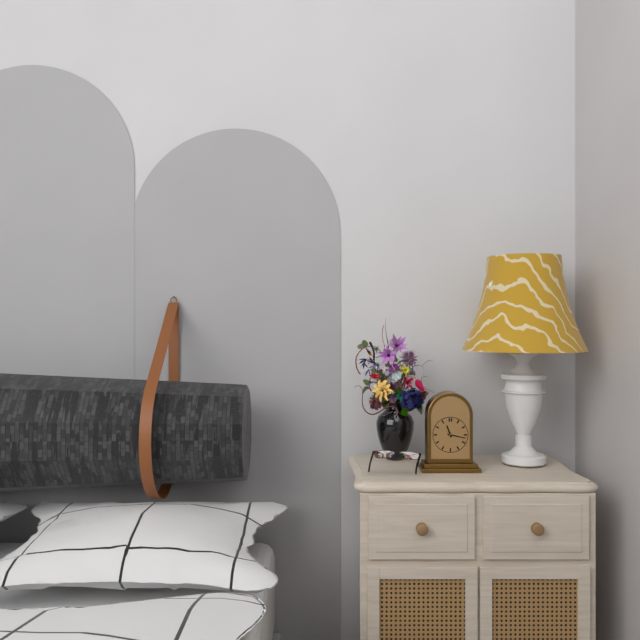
11:17
